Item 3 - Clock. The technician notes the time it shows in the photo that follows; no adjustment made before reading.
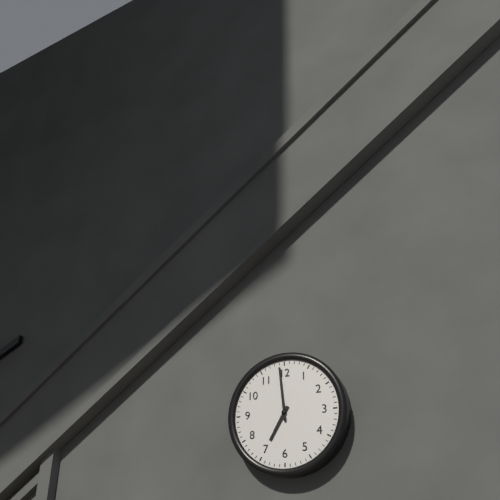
6:59
